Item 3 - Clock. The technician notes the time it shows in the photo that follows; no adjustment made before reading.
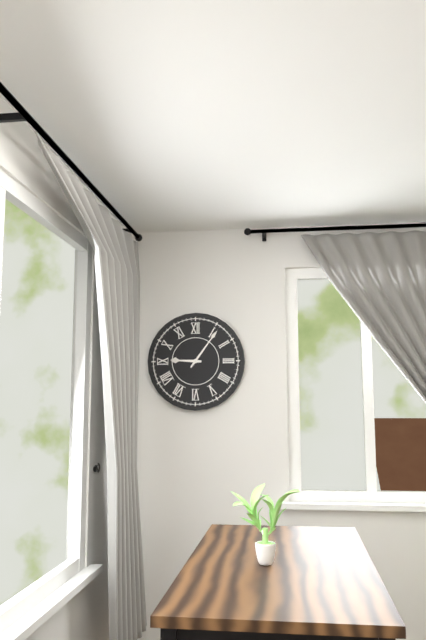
9:06
